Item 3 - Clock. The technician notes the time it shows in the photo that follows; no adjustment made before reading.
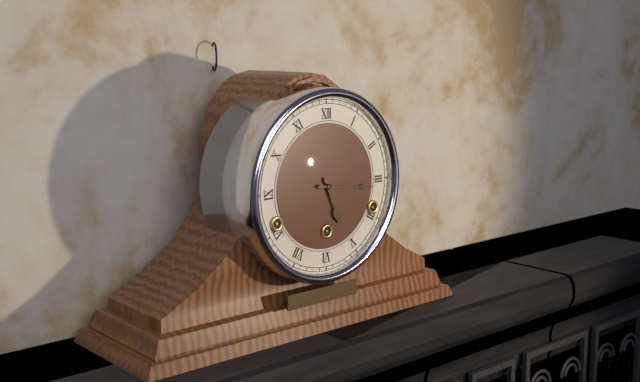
5:16
